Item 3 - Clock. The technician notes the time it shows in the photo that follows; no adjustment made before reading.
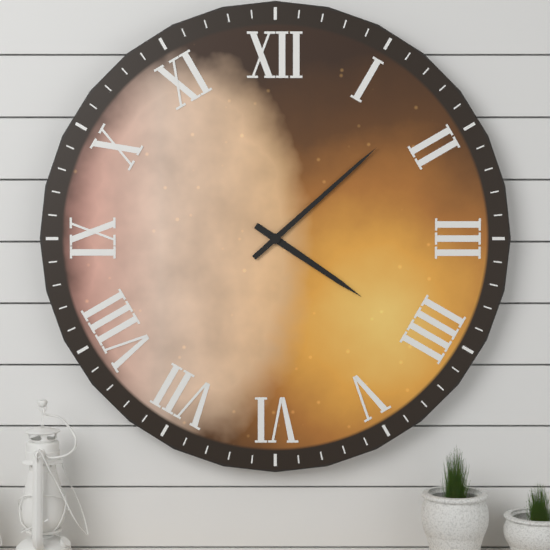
4:08
